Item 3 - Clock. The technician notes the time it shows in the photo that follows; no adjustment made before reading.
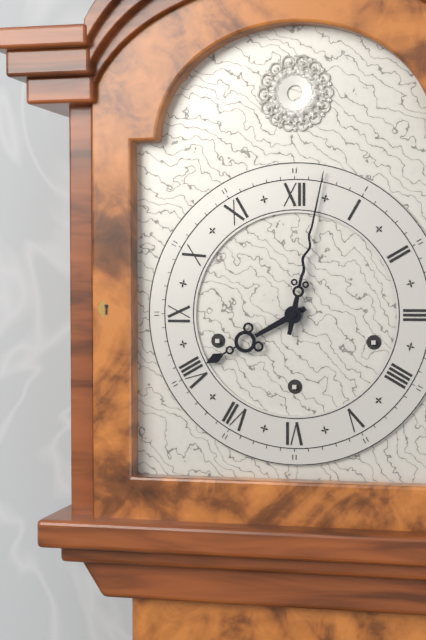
8:02
